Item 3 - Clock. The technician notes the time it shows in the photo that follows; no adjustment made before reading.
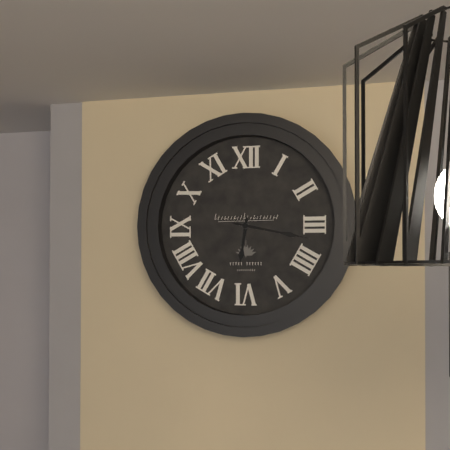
6:17
